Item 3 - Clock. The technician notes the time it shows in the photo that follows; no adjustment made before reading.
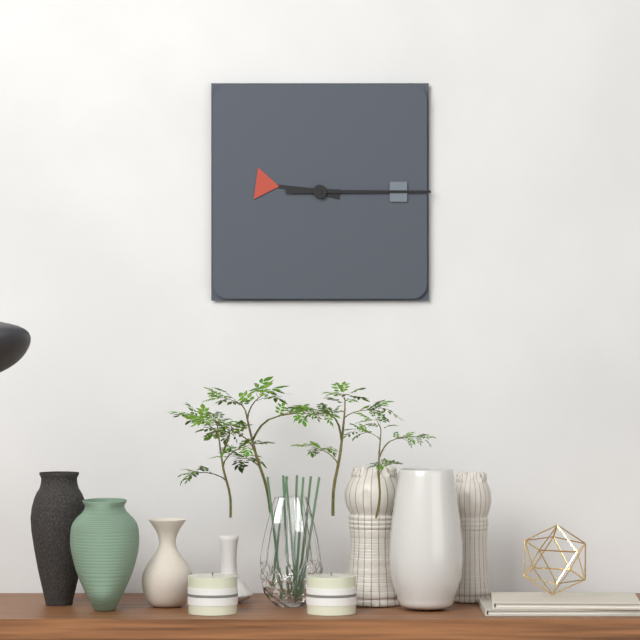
9:15
